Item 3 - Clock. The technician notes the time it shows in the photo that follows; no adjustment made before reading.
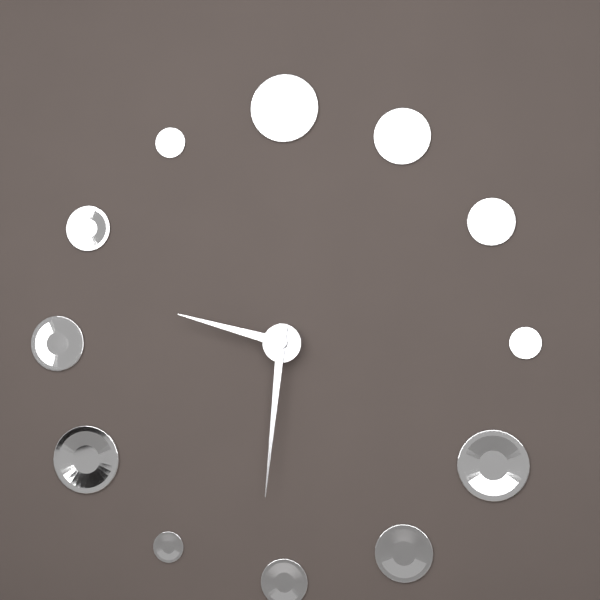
9:31
